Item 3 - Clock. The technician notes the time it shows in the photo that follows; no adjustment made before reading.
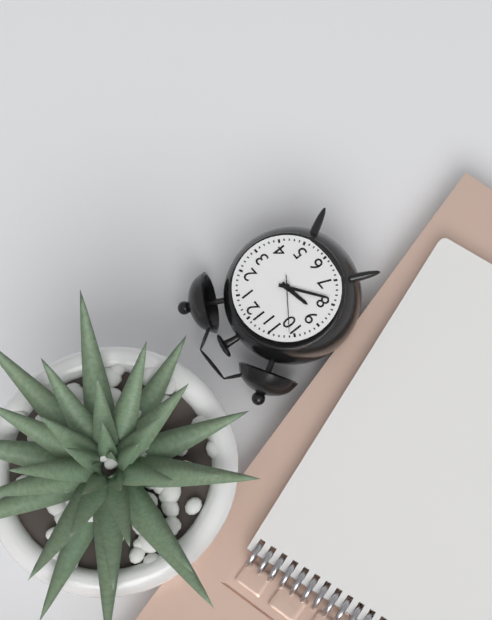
8:39:51
